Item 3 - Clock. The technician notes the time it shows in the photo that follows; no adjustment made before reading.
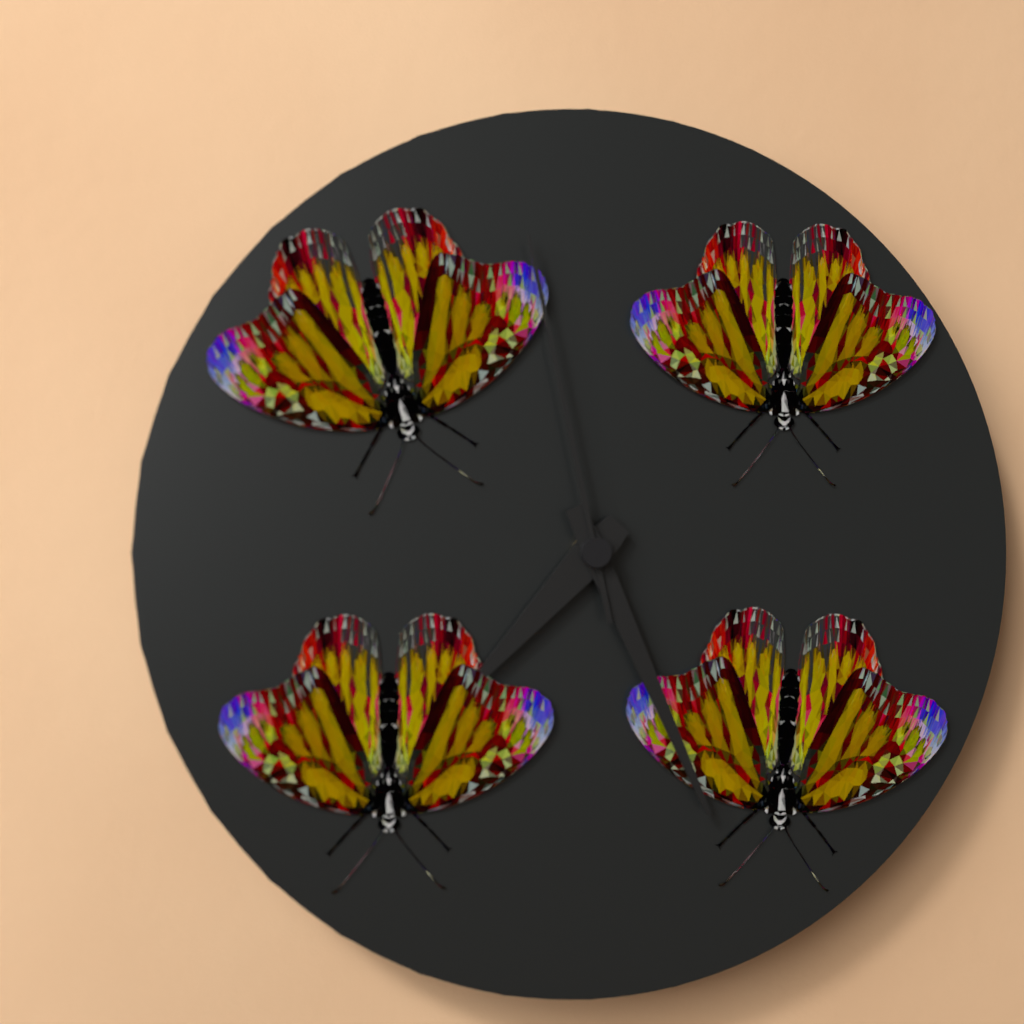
7:26:58
